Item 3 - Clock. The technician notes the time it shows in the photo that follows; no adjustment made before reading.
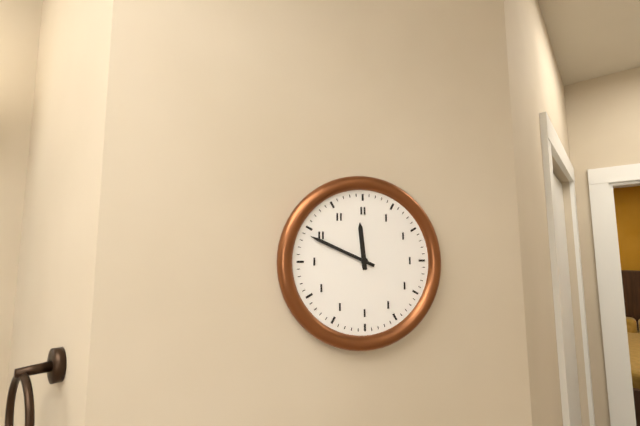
11:49
